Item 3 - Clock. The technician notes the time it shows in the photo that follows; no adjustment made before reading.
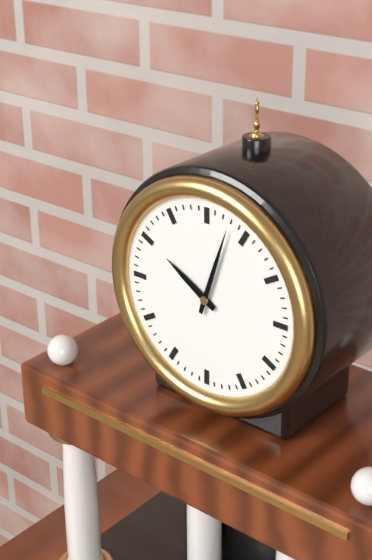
10:03
